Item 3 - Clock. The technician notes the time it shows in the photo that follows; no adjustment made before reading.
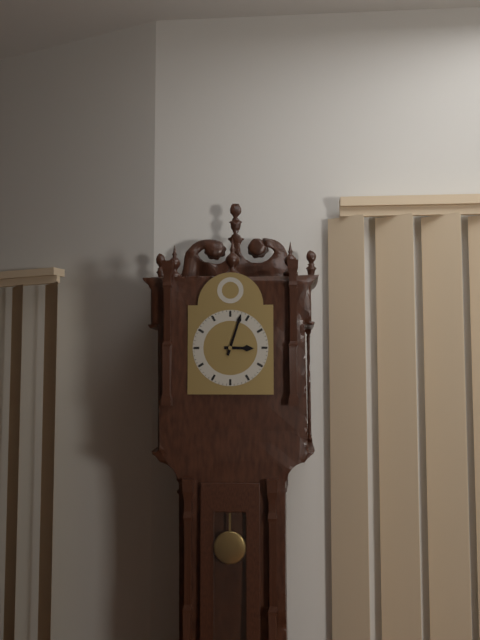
3:03
